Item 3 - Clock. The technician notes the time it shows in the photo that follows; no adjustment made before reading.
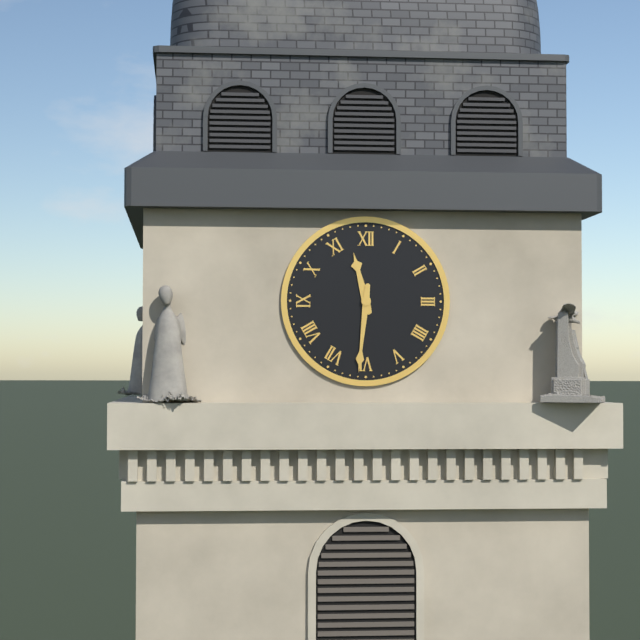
11:31
